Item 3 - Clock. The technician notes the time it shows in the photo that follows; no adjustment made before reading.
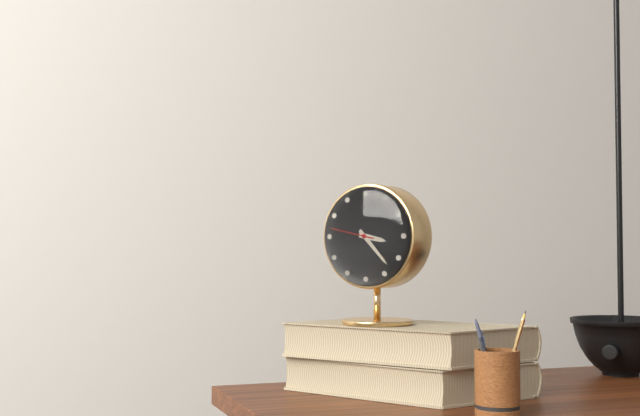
3:23
